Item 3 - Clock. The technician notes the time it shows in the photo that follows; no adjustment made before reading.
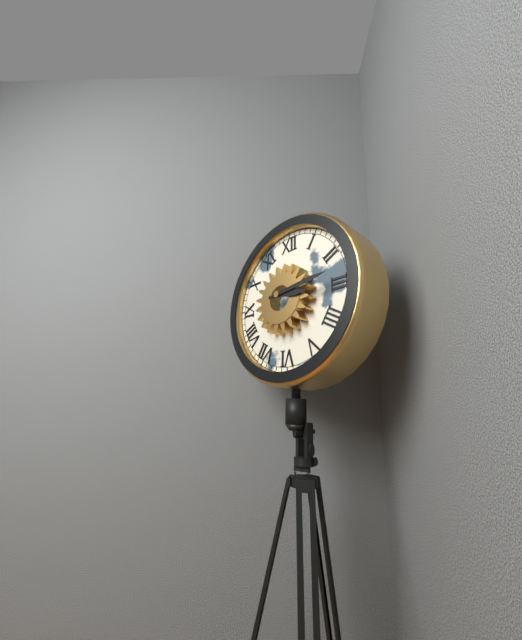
3:14
